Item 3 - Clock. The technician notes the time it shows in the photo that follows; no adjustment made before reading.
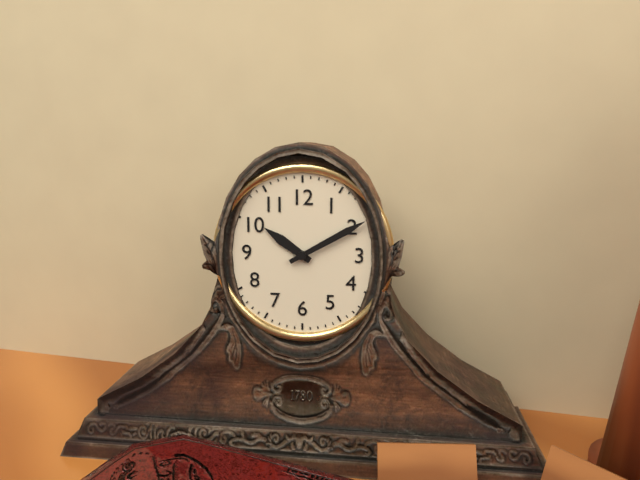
10:10
